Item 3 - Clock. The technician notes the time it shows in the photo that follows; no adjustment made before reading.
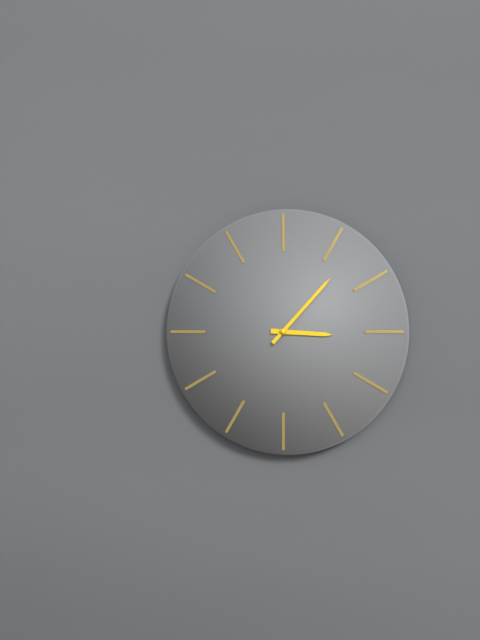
3:07
